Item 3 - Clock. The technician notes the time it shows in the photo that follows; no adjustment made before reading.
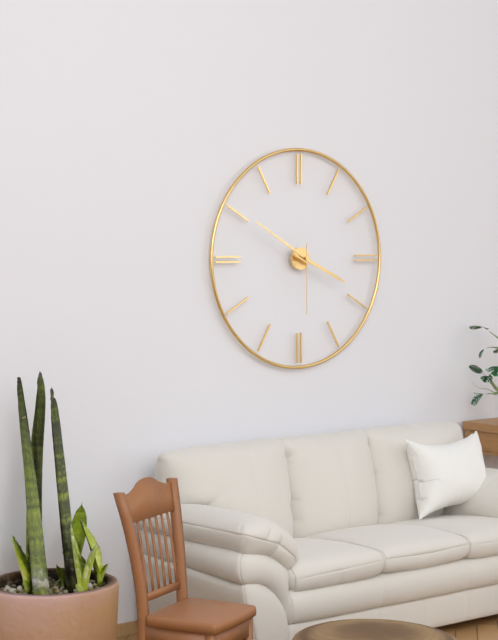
3:50:30
